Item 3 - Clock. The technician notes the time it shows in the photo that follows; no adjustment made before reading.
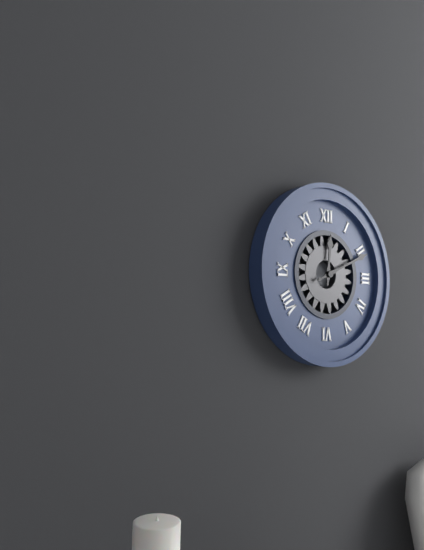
12:11
